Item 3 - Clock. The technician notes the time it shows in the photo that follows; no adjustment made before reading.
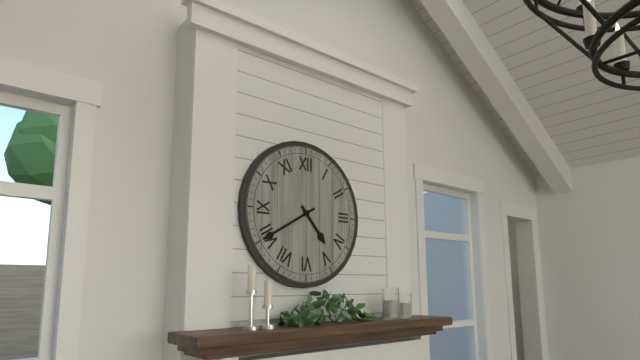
4:40
